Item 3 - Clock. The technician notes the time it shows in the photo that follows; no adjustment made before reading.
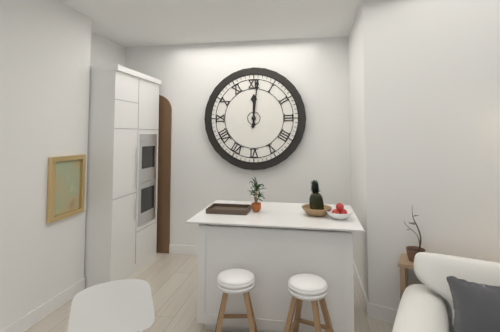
12:01
